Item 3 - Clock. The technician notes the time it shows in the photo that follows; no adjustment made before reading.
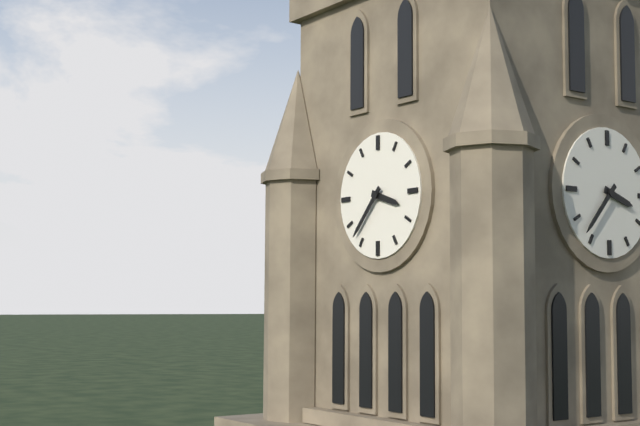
3:37
